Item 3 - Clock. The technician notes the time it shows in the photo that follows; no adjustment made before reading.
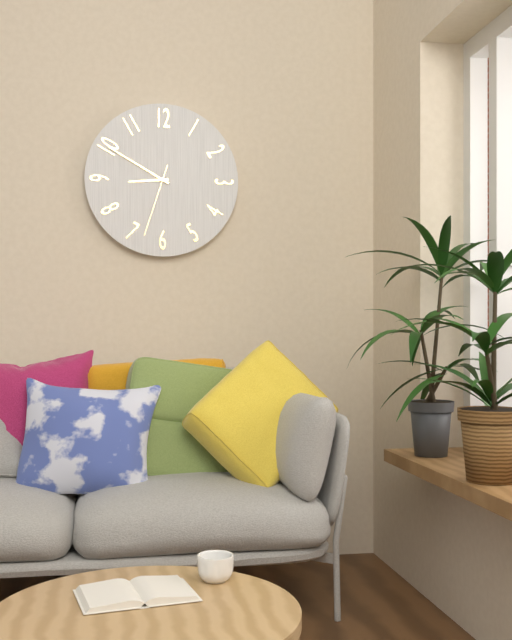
8:50:33
